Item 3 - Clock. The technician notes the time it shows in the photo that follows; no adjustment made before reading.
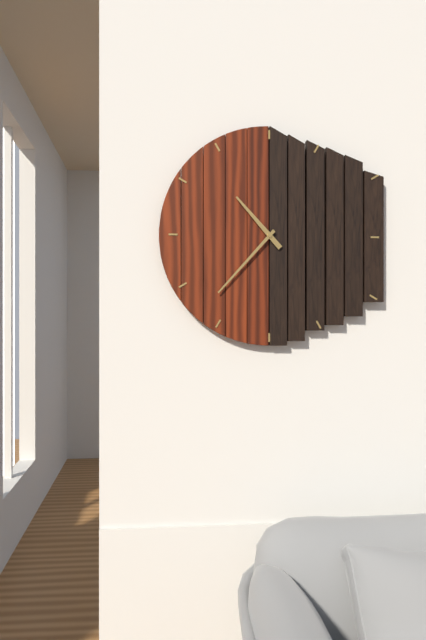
10:37
